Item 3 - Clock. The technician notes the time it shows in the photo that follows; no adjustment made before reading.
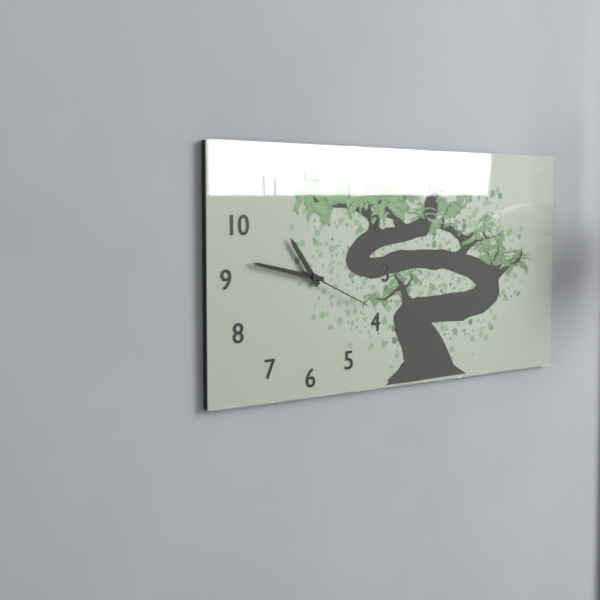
10:47:19
